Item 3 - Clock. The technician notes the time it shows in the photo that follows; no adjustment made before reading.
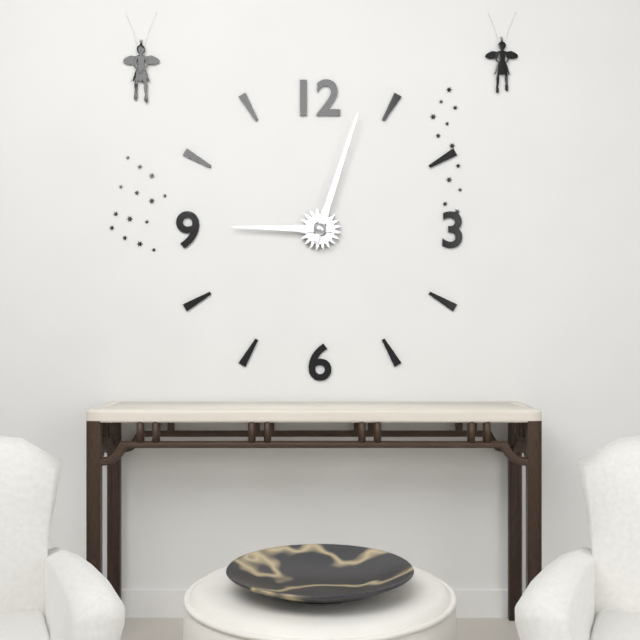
9:03
